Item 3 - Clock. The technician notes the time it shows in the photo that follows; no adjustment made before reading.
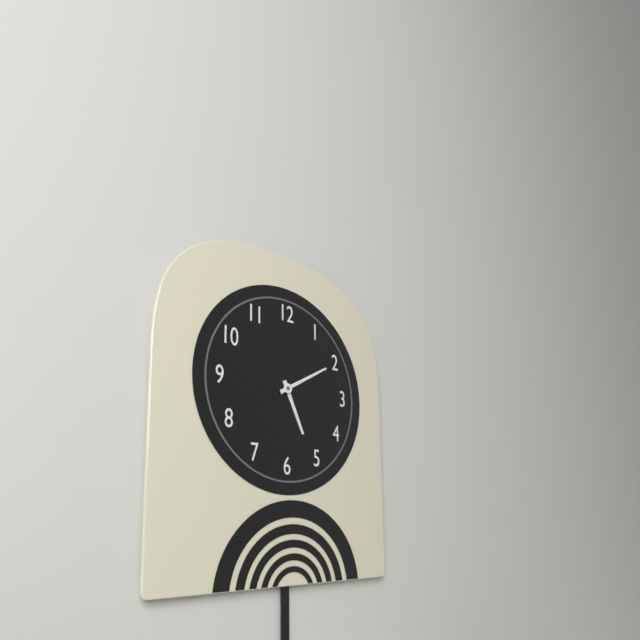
5:10
